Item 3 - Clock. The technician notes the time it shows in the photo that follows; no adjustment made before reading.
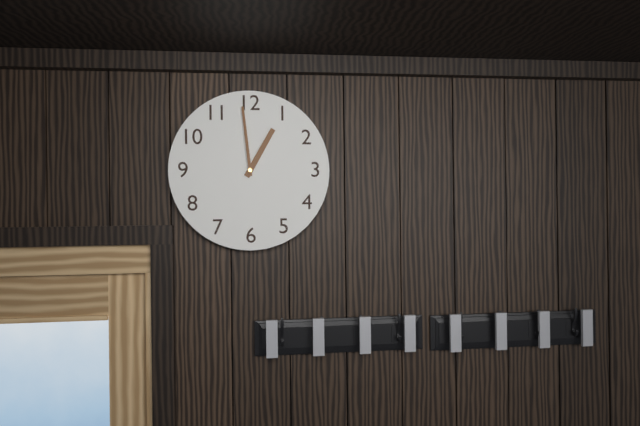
12:59
